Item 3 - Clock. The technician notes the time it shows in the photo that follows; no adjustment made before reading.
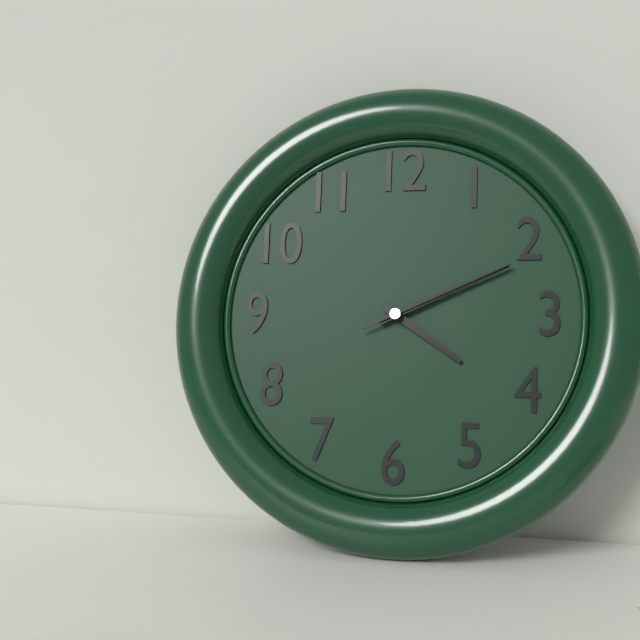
4:11:11
